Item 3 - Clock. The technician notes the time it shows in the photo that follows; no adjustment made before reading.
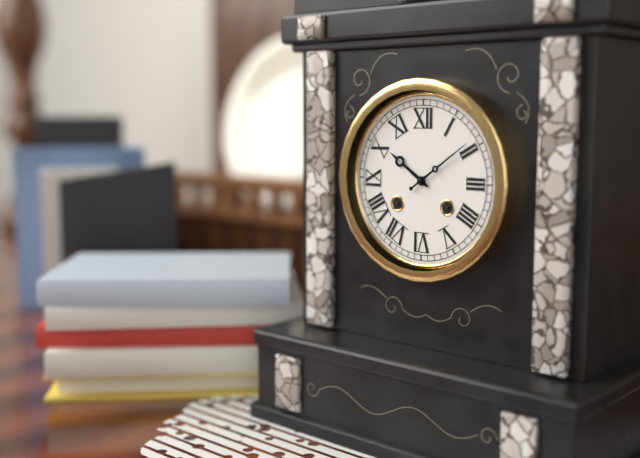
10:09
